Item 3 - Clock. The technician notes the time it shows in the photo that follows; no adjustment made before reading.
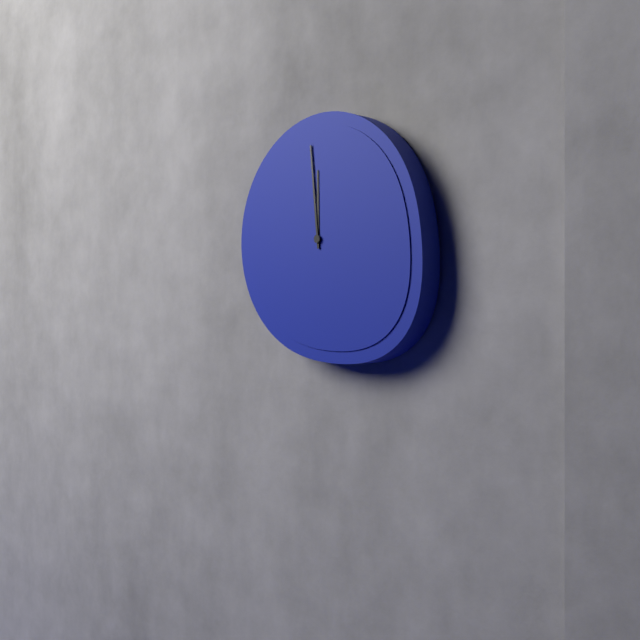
11:59
